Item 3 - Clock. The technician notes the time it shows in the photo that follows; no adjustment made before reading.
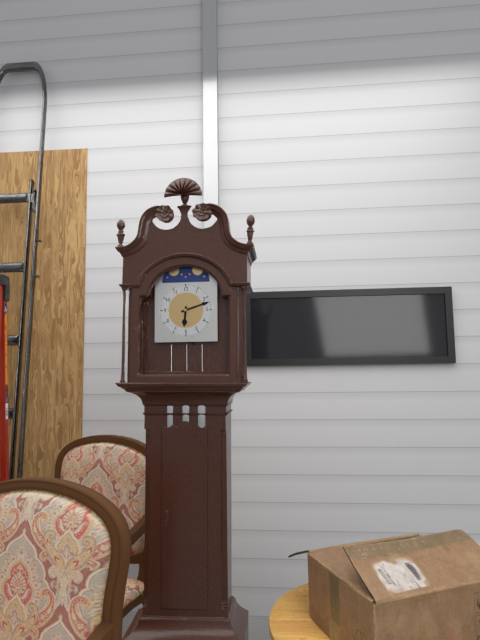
6:12
